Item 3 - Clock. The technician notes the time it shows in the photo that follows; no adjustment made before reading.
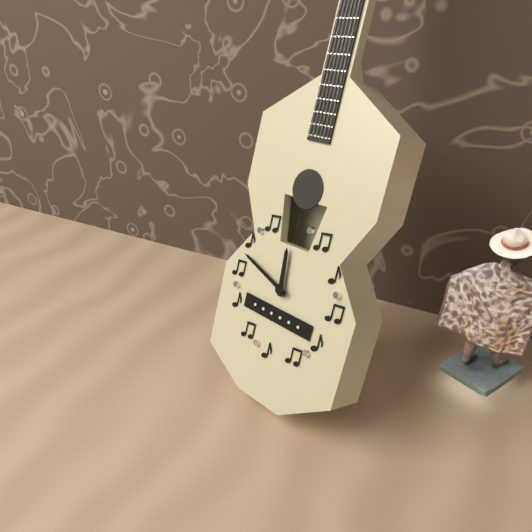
11:48
